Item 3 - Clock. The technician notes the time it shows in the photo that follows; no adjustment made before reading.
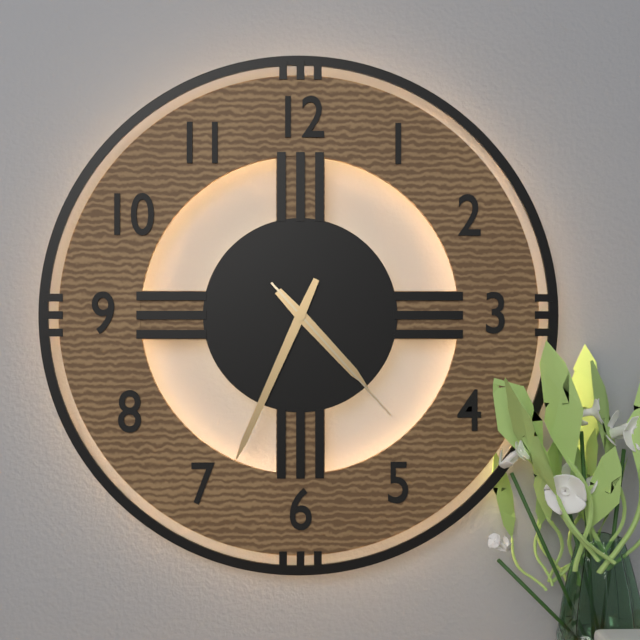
4:34:23
